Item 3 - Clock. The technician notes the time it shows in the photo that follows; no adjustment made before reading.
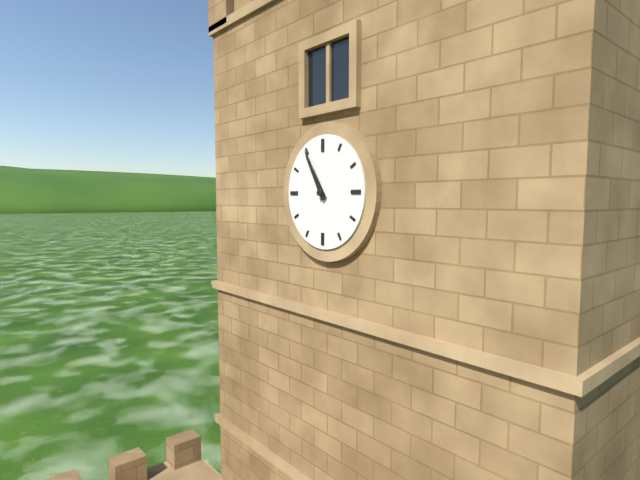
10:55
